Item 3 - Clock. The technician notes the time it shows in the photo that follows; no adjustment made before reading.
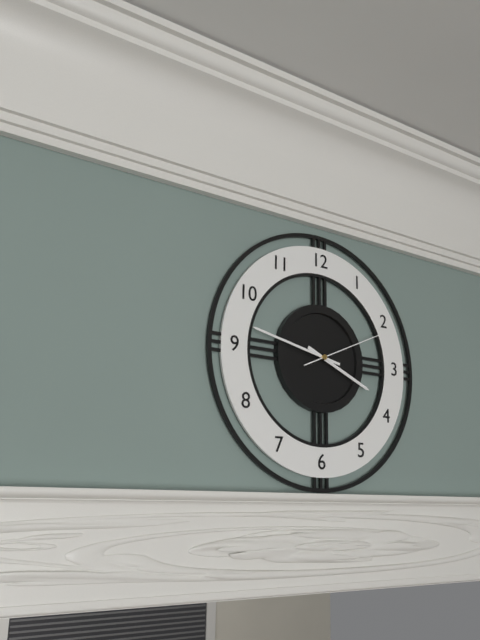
3:47:11
